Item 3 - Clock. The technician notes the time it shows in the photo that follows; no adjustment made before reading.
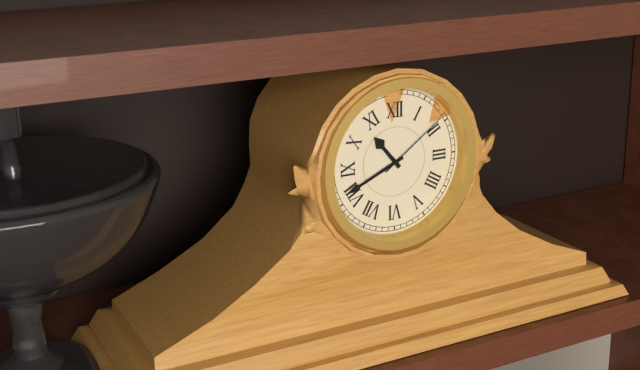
10:41:09
